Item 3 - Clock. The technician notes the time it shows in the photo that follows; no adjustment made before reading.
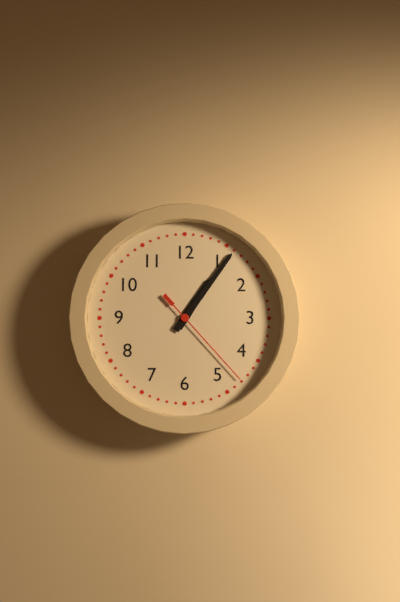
1:06:23
